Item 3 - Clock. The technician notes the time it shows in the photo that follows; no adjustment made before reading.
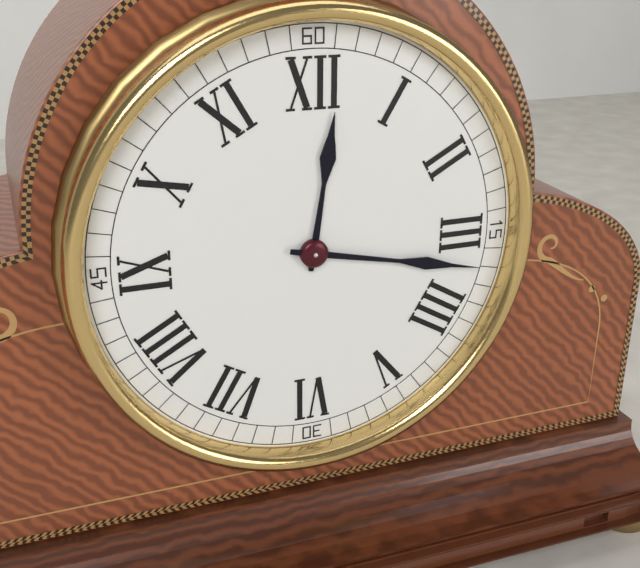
12:17
